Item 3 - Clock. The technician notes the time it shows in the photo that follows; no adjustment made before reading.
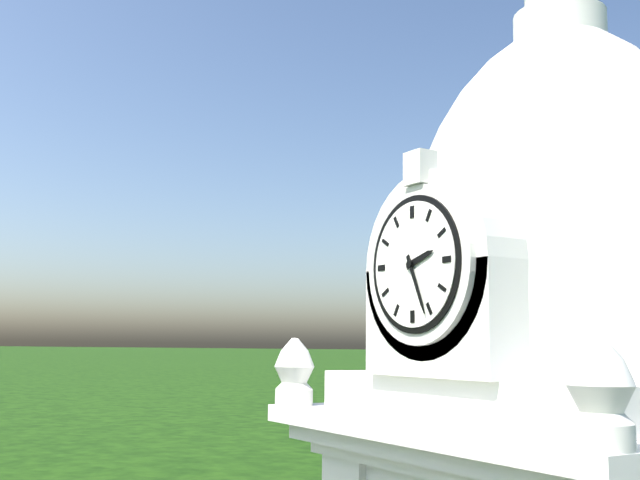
2:26
